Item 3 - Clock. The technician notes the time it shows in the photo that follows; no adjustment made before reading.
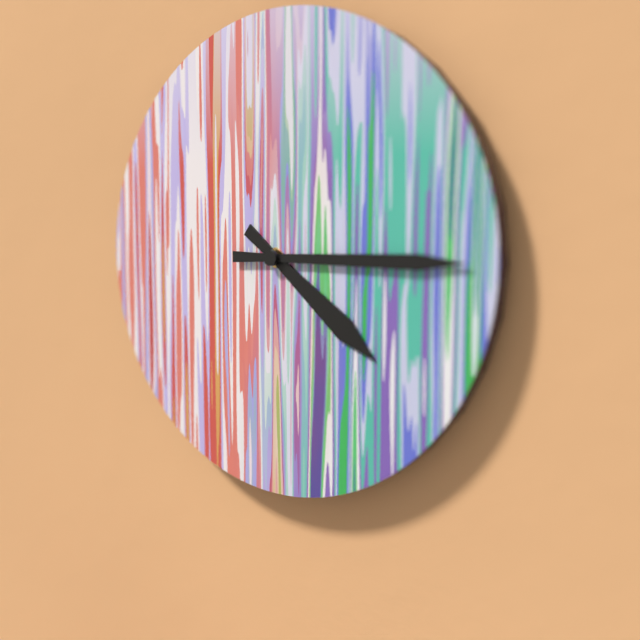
4:15
